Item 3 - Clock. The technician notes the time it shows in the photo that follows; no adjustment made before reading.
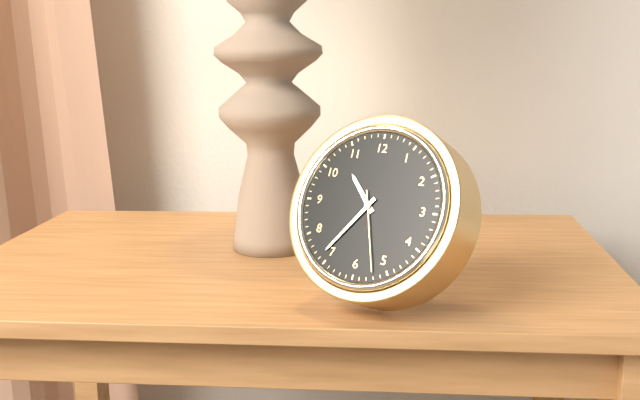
10:36:27
